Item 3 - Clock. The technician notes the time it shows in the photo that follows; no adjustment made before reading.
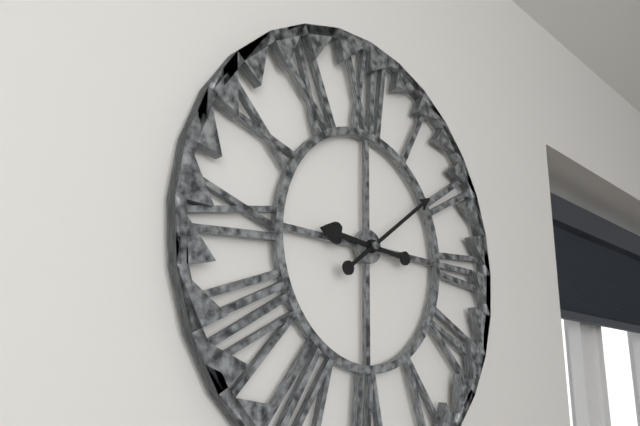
9:09
